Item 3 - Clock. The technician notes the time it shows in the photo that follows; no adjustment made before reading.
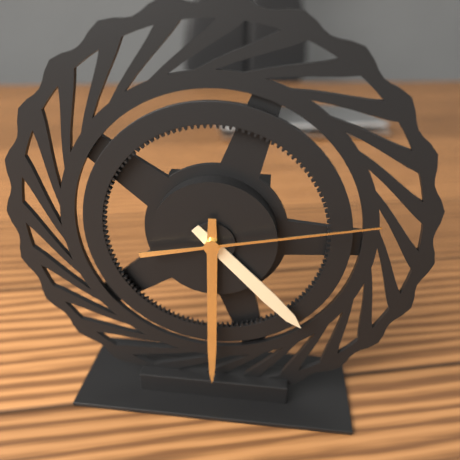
4:30:13
